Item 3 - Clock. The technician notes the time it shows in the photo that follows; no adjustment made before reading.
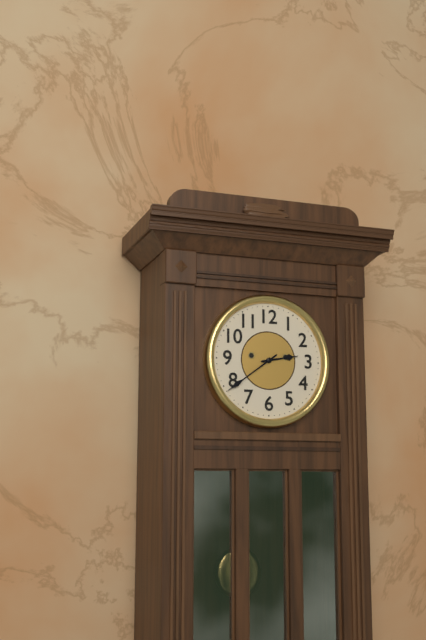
2:39
